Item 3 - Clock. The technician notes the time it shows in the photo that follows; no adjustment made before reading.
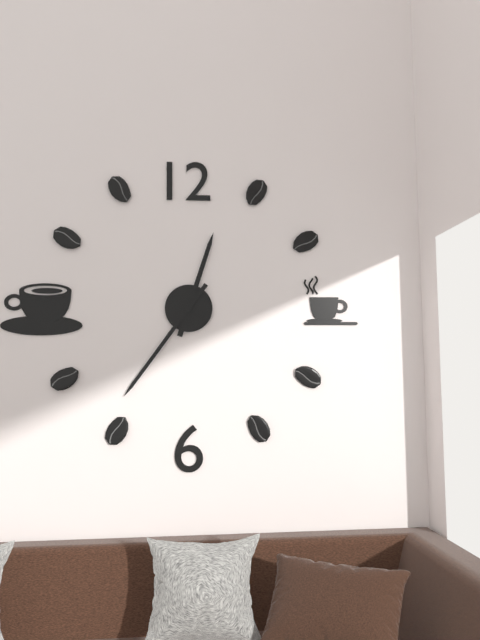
12:36
